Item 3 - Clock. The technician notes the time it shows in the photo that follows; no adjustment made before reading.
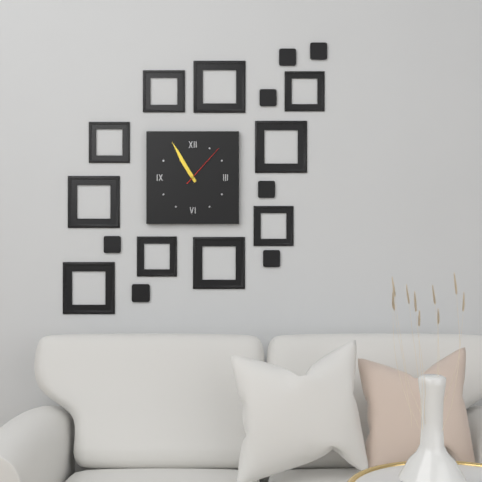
10:55
